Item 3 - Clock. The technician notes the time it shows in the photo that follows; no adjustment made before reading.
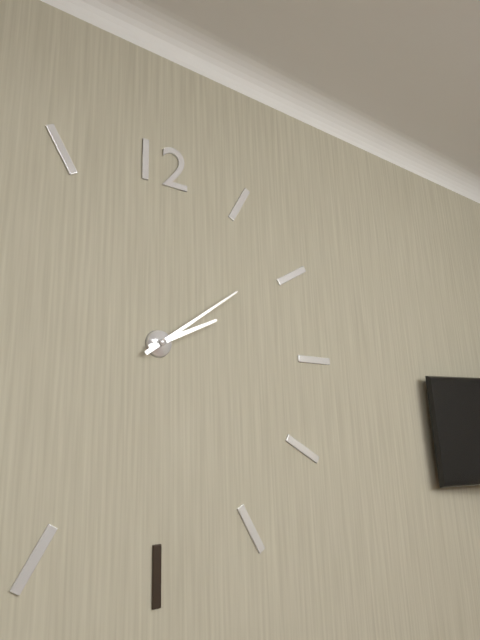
2:09
